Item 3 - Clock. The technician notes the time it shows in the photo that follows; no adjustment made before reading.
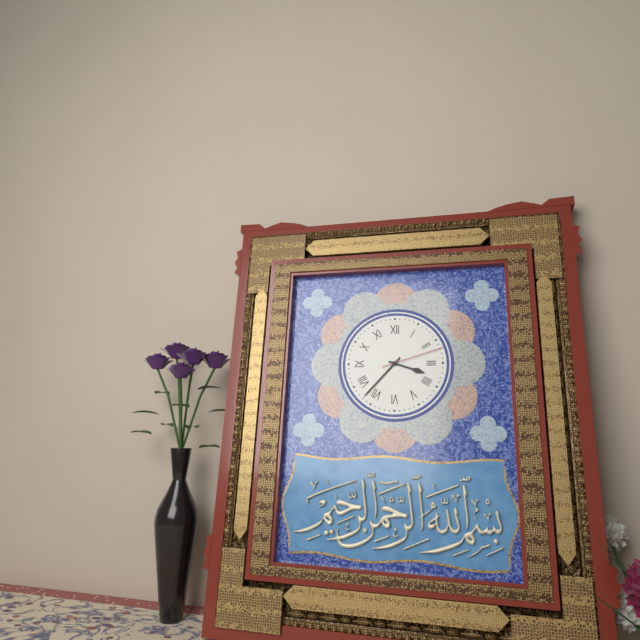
3:37:12
